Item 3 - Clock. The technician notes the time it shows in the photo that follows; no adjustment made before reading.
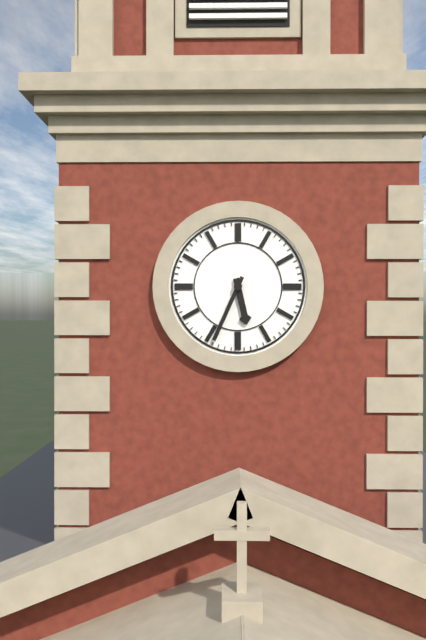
5:34
